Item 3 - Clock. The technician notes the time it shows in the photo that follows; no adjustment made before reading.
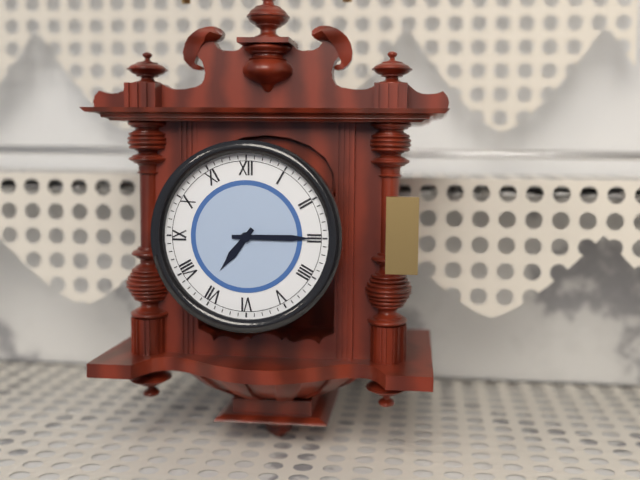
7:15
